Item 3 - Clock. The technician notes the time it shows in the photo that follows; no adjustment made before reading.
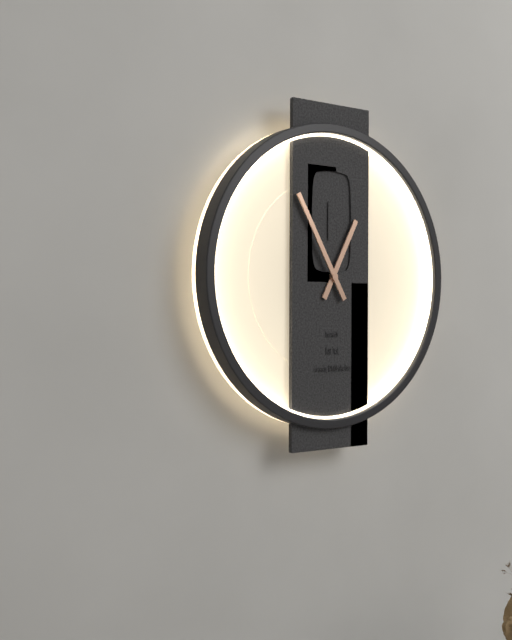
12:55
